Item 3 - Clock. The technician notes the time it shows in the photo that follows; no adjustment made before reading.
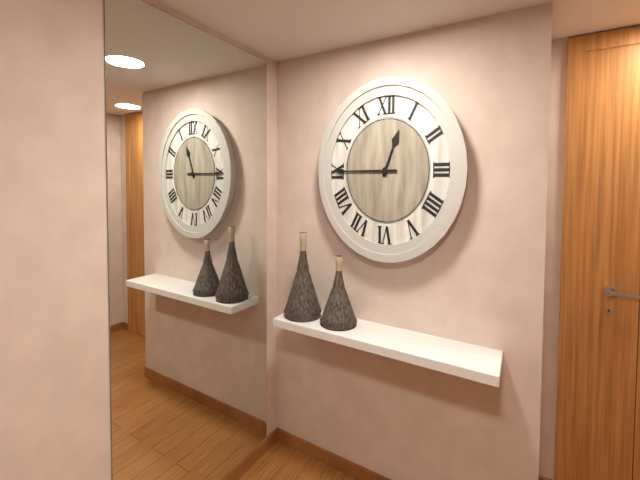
12:45
